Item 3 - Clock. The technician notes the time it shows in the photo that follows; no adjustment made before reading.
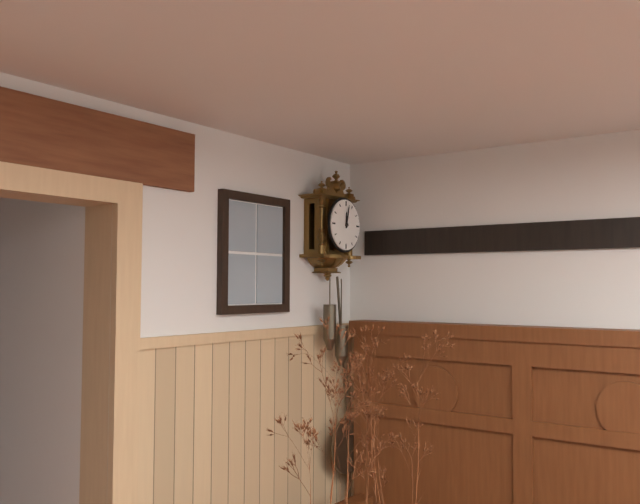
12:02
